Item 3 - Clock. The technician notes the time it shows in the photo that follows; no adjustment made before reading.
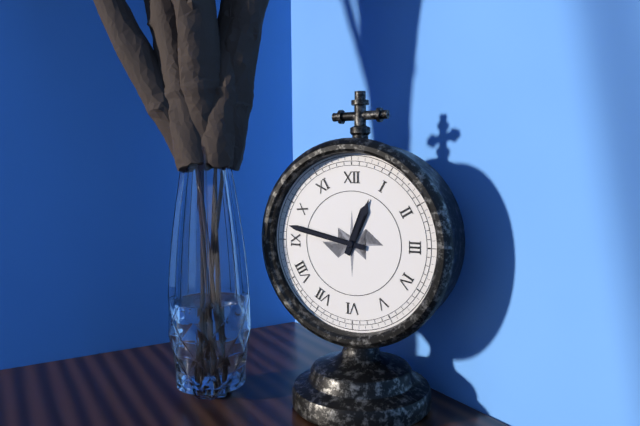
12:47
